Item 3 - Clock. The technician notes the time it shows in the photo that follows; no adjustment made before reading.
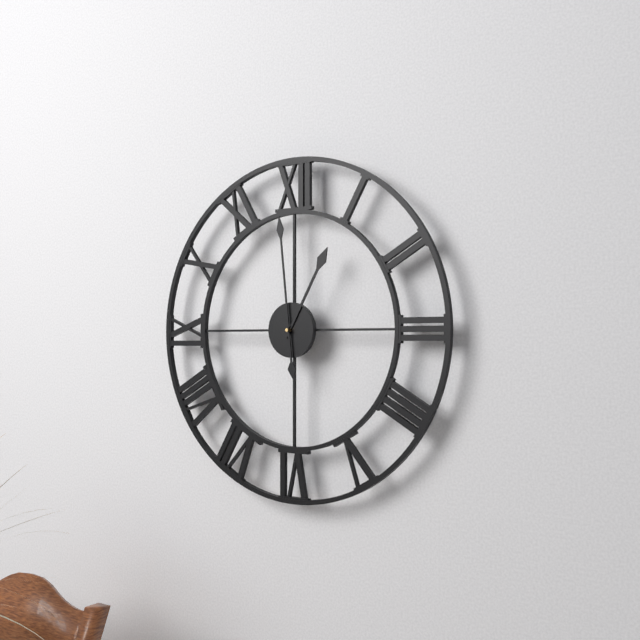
12:59
